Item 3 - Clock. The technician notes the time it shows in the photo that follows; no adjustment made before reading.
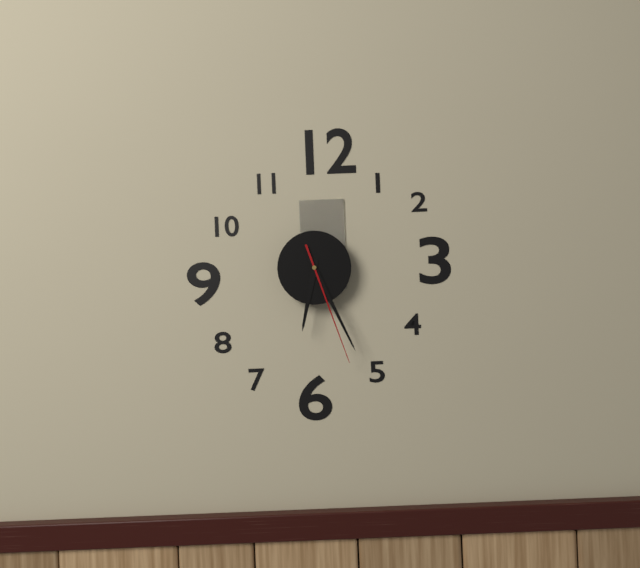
6:26:27
